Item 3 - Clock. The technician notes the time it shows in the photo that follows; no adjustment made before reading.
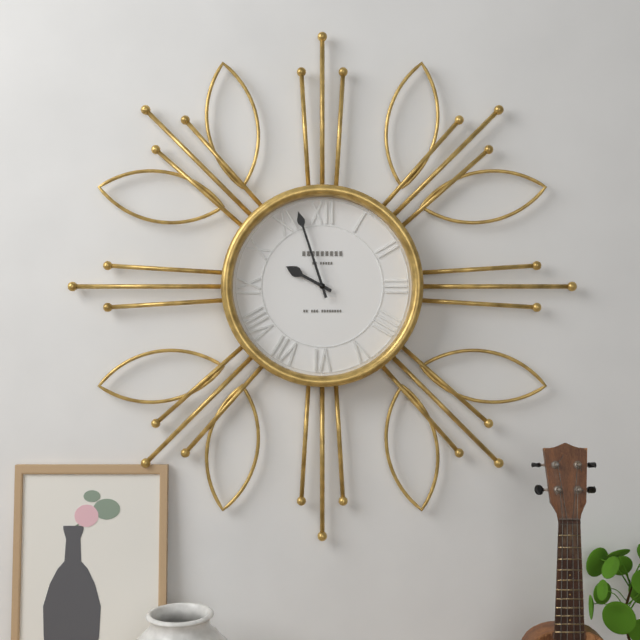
9:57
